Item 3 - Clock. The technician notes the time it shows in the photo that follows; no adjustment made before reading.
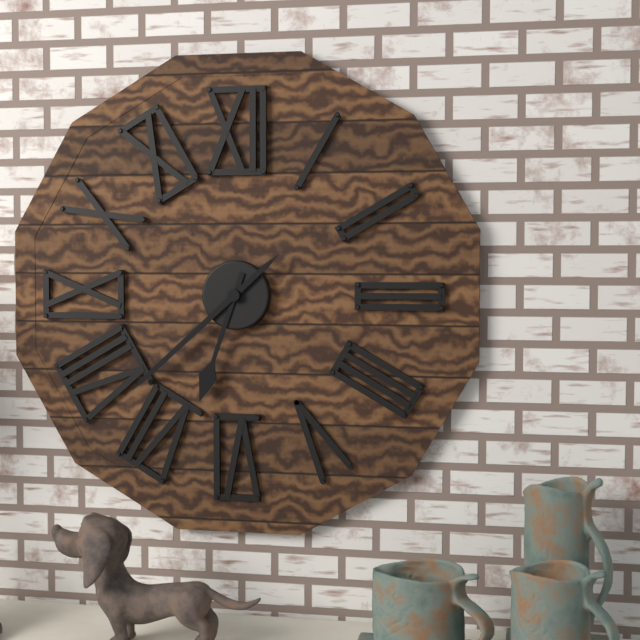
6:38
